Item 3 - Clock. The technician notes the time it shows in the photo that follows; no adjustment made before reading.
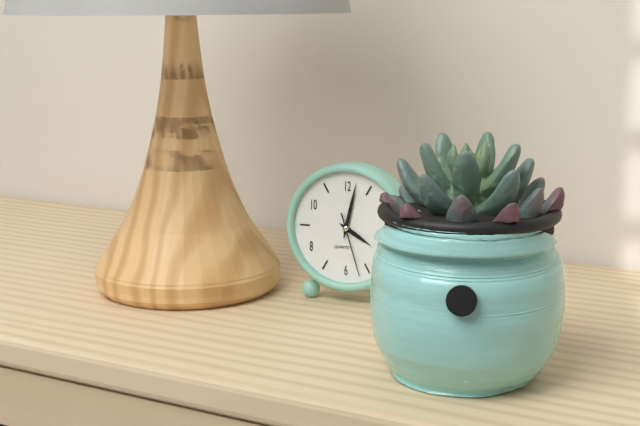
4:02:27
